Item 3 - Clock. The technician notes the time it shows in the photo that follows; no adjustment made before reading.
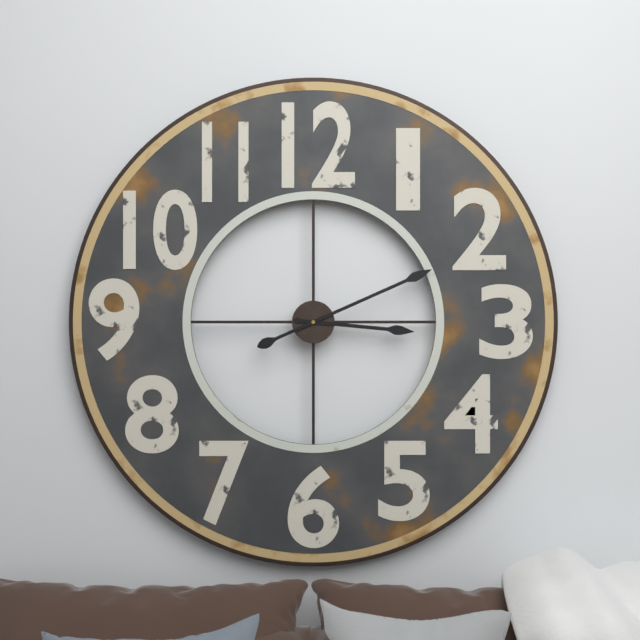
3:11
